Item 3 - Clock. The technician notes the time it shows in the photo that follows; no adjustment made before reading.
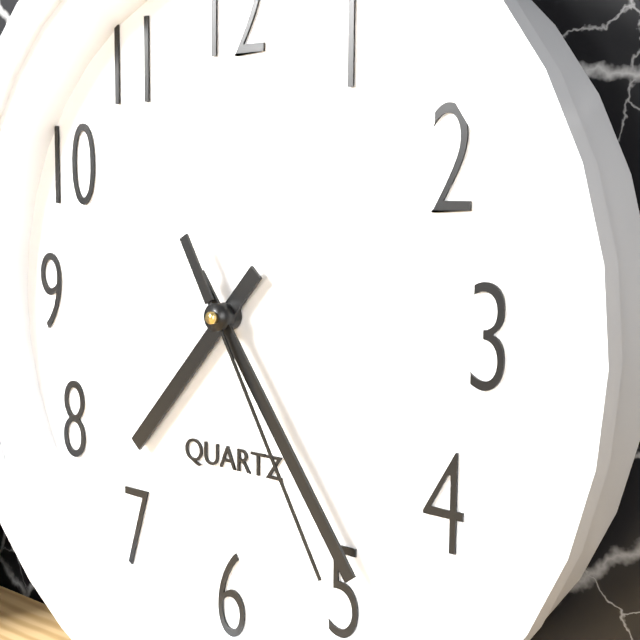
7:24:25
